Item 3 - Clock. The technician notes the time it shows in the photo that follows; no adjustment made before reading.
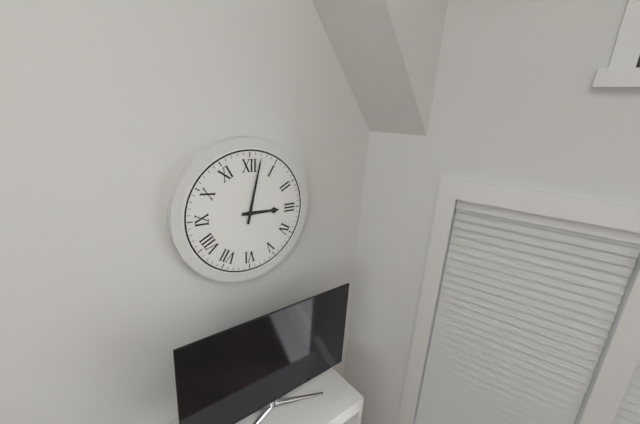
3:02
